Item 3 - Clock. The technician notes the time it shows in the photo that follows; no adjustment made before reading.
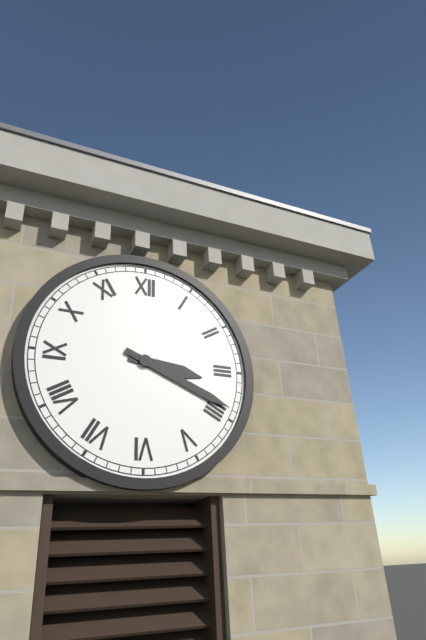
3:19
